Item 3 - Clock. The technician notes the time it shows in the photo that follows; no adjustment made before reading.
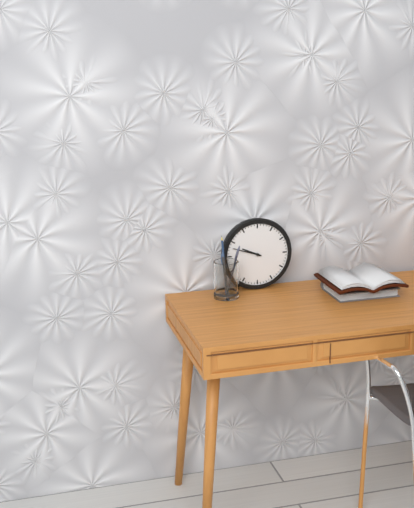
9:48
